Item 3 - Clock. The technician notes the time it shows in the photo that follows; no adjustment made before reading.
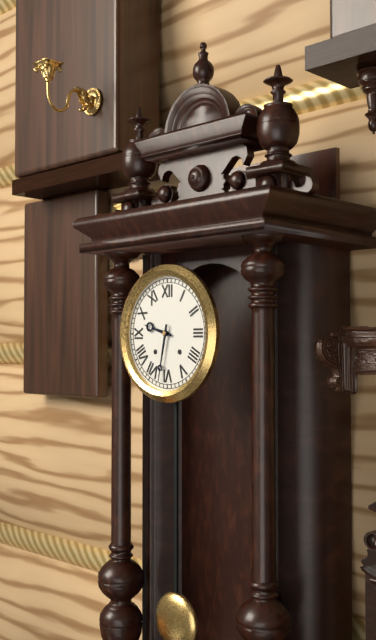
9:32
